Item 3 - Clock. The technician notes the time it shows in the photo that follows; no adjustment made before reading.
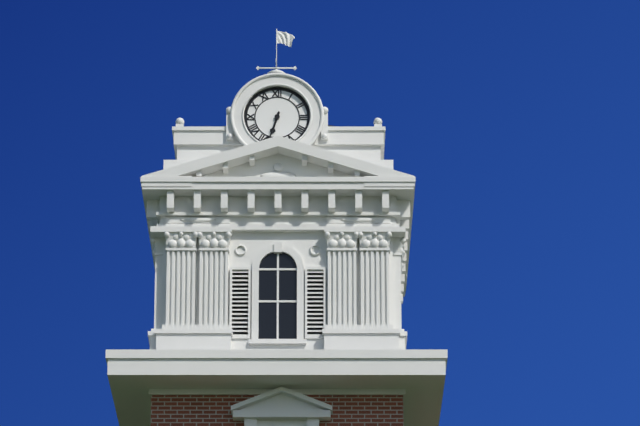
6:33
